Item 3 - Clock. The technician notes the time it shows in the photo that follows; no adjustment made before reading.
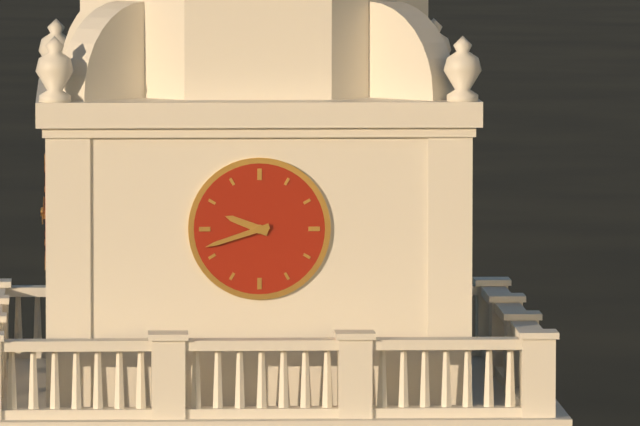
9:42
